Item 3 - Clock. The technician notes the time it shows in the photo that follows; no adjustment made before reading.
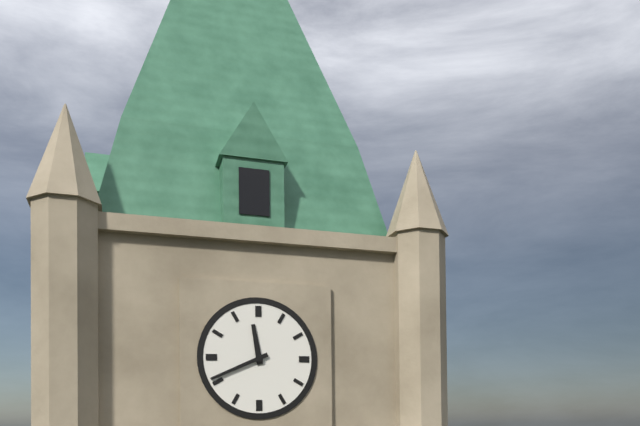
11:41
